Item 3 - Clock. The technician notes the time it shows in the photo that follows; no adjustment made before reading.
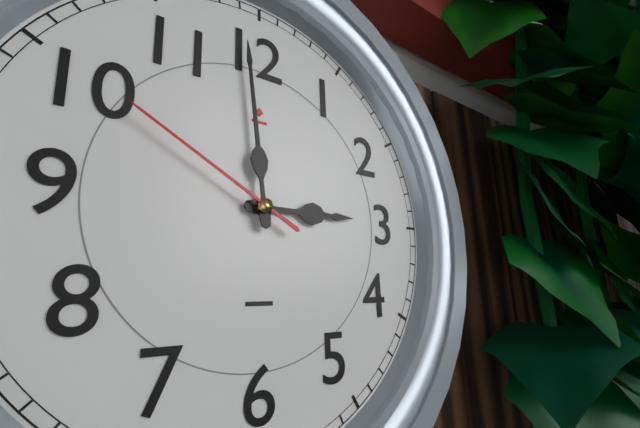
2:59:50
